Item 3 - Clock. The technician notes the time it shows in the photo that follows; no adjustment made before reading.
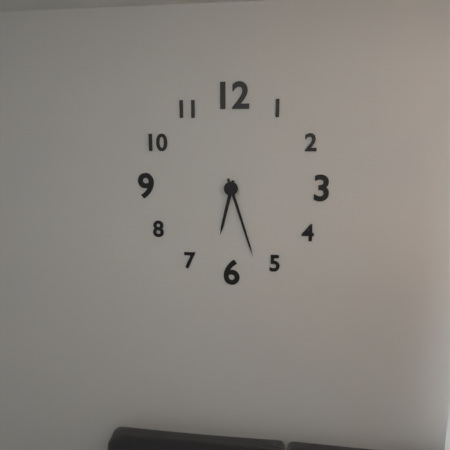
6:27
